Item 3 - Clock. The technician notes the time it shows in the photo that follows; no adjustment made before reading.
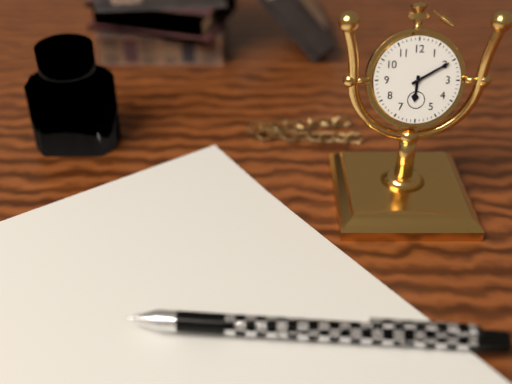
6:10
